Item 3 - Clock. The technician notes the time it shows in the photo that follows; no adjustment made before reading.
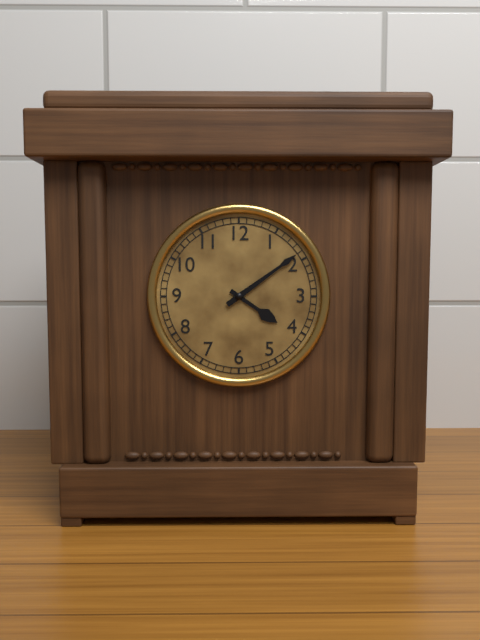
4:09
